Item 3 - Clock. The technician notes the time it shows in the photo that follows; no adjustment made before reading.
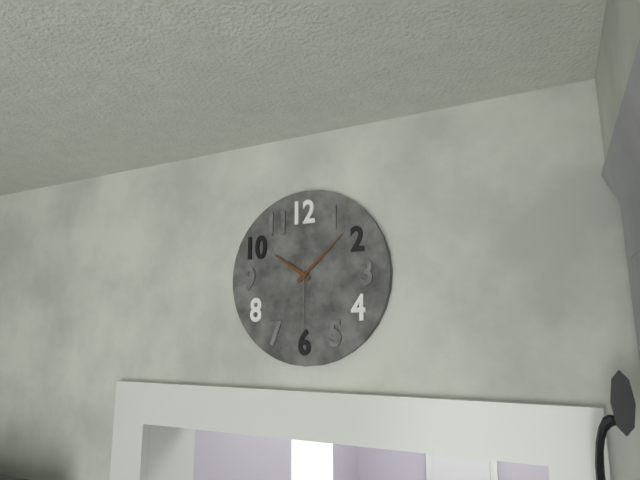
10:08:30
